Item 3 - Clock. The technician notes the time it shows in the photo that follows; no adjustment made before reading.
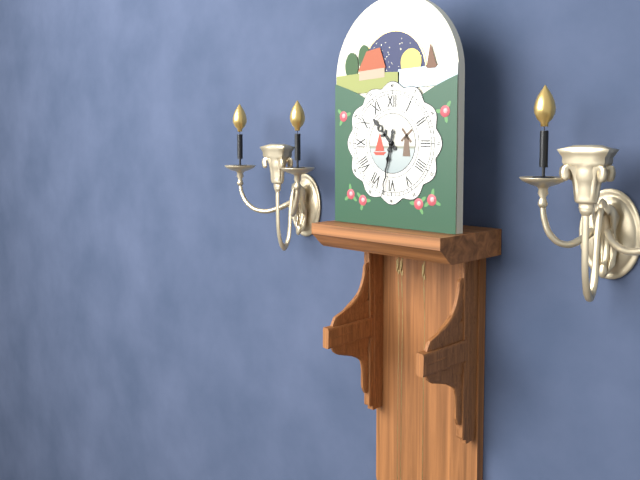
10:32
